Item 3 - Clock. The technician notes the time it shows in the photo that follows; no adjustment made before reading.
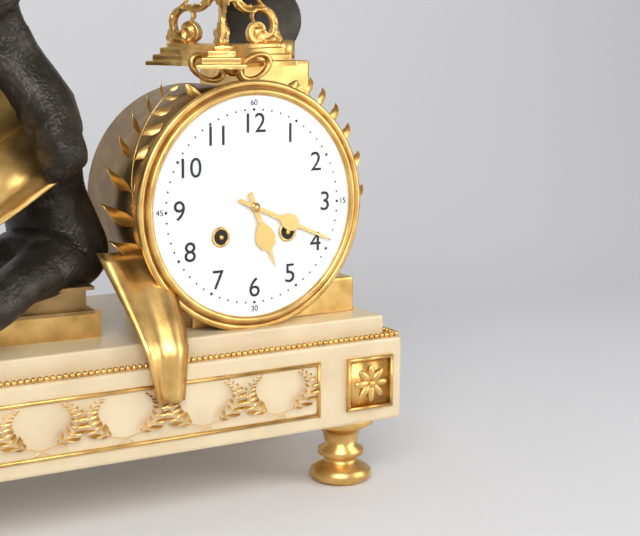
5:19
